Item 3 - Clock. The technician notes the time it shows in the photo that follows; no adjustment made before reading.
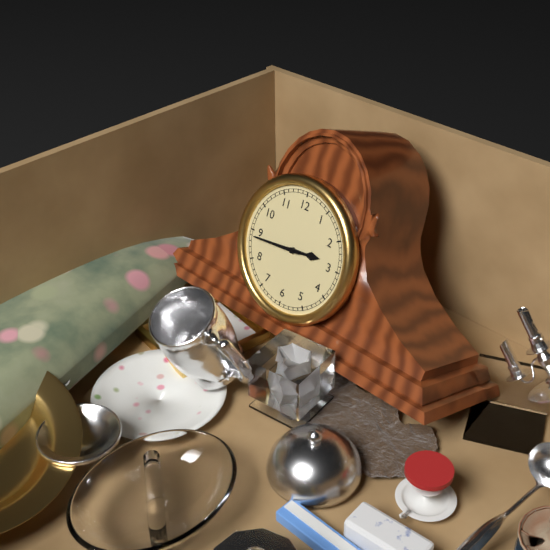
2:44
